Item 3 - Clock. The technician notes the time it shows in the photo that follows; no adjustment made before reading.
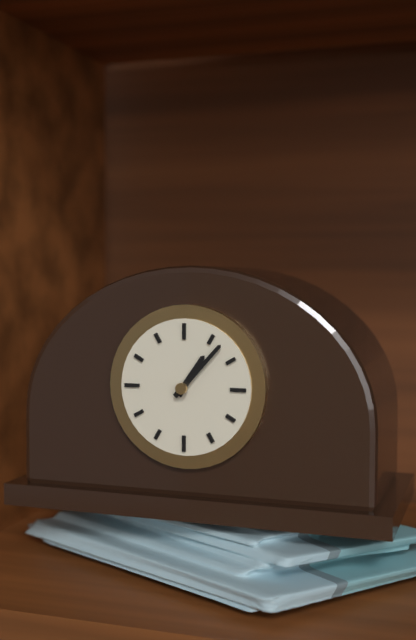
1:07
